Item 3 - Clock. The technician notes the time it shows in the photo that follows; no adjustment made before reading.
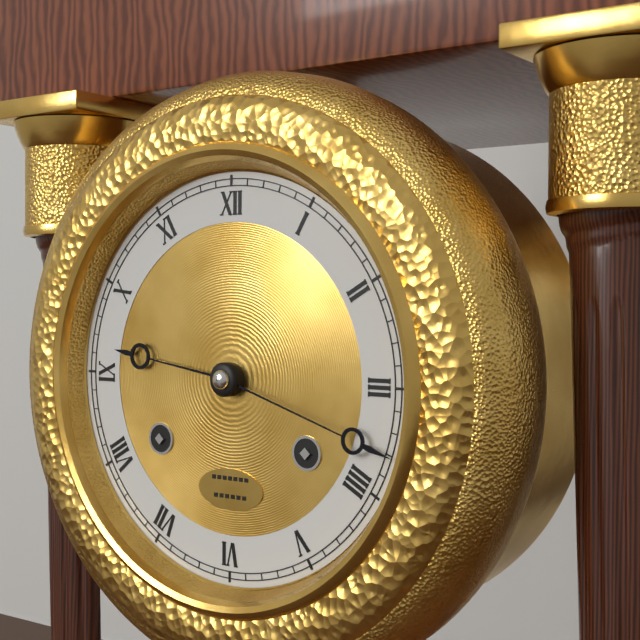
9:18
